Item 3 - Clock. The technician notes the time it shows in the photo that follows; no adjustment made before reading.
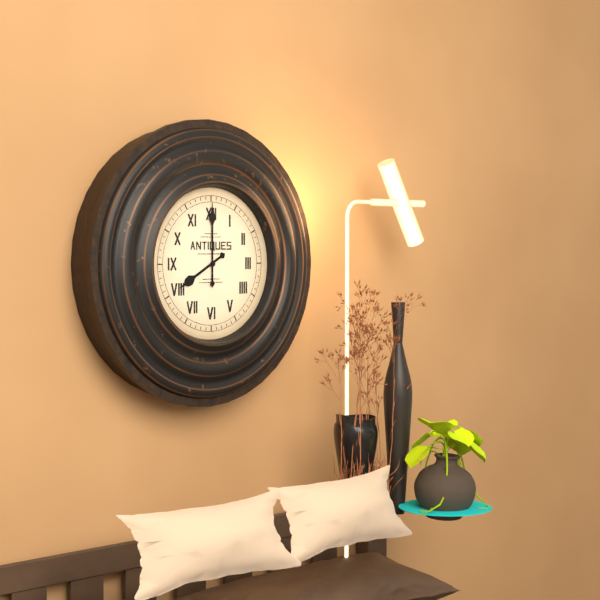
8:00
